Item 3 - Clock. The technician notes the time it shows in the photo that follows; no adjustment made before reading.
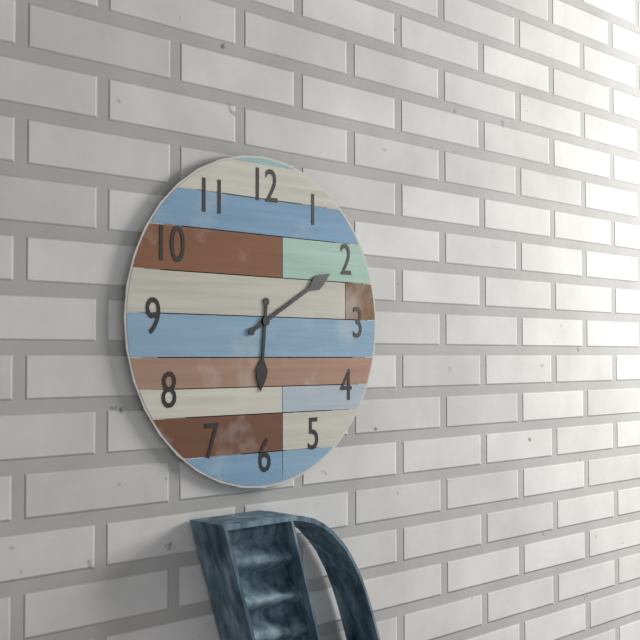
6:10
